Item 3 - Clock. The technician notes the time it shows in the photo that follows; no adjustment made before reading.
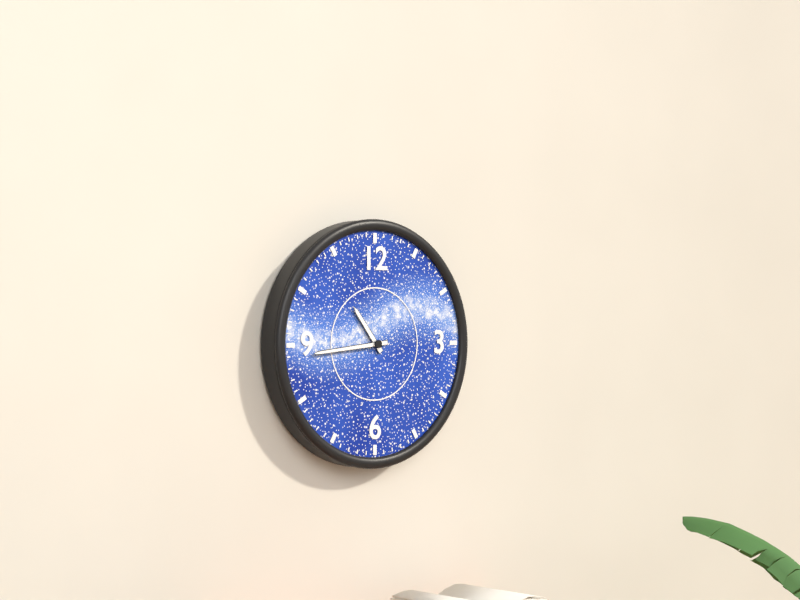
10:44
